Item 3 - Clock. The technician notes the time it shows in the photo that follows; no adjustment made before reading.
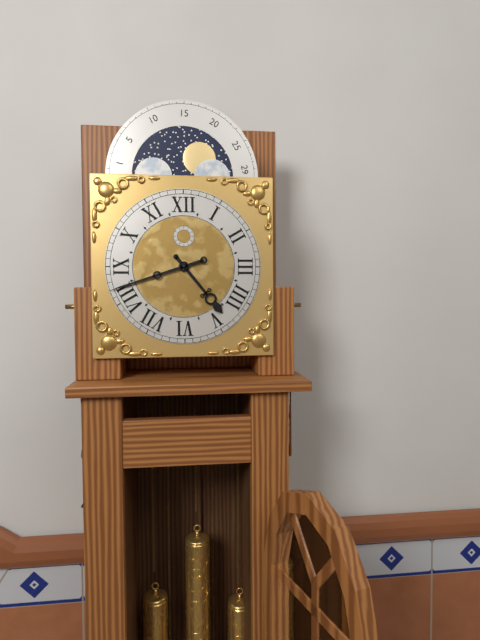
4:42
